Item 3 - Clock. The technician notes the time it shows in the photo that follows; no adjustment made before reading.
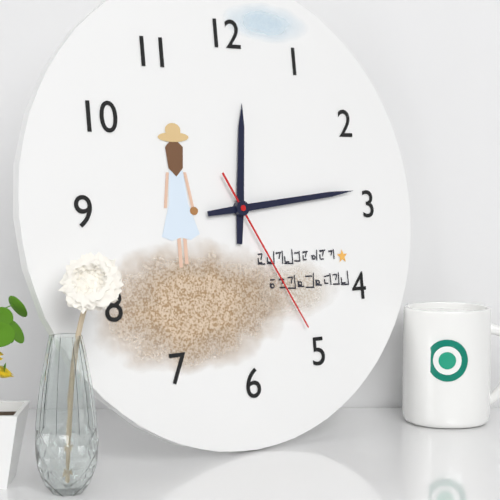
12:14:25
